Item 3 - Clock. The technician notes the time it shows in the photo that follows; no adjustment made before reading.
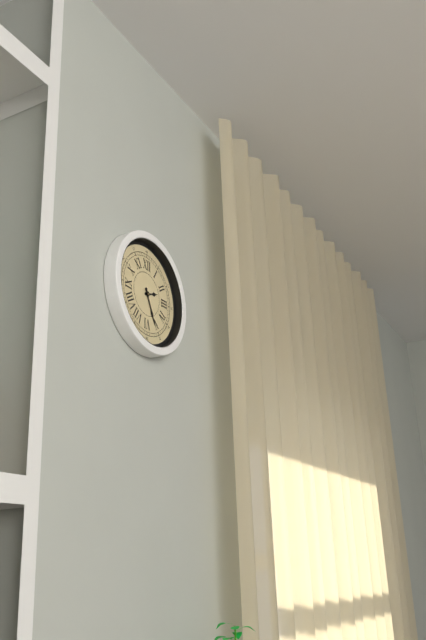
2:26
